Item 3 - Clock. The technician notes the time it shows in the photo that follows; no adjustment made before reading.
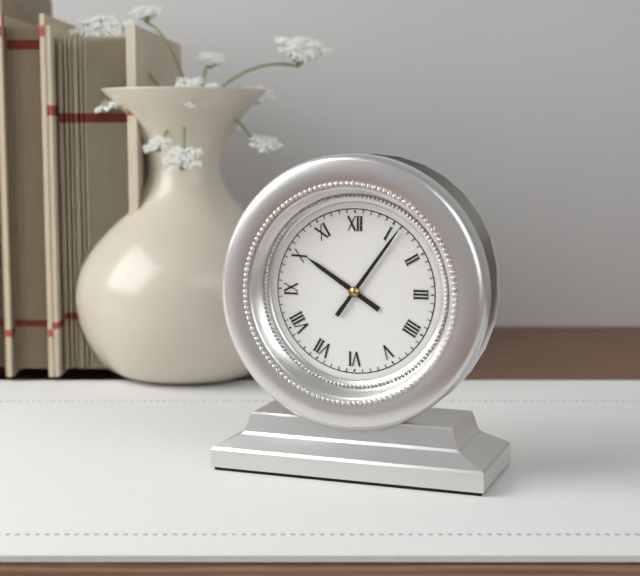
10:06
